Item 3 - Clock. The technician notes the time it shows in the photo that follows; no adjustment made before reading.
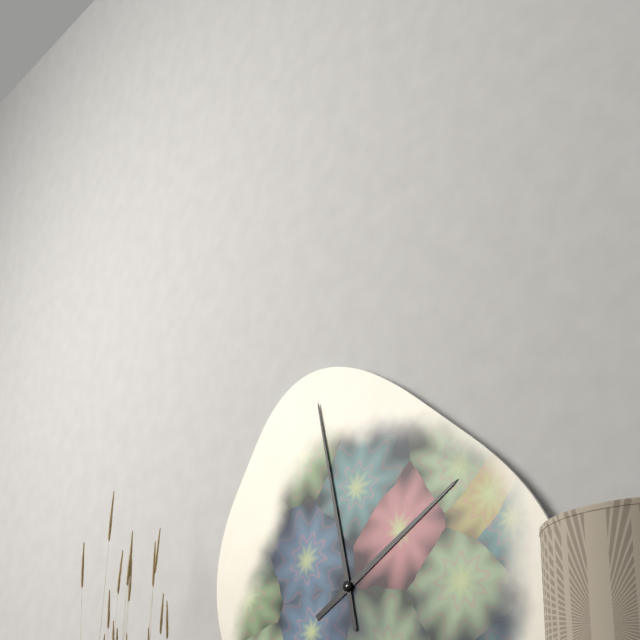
1:58
